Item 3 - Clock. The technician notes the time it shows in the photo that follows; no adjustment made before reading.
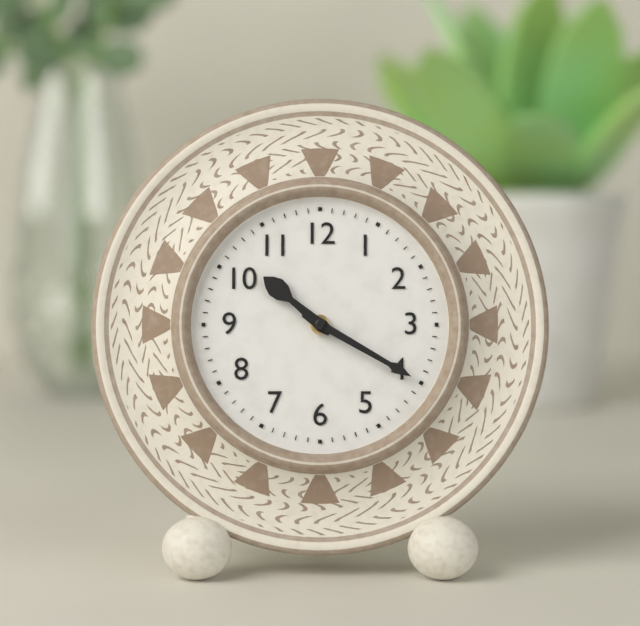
10:20
